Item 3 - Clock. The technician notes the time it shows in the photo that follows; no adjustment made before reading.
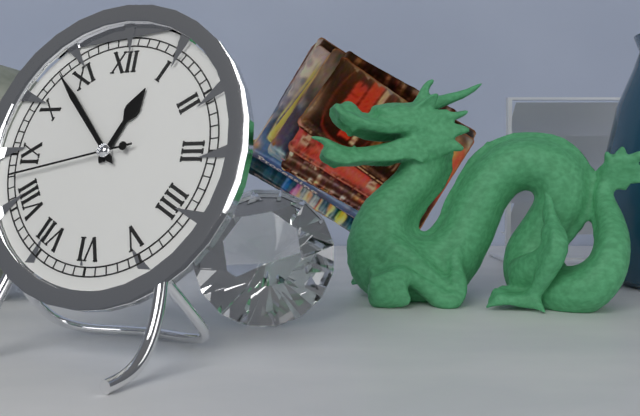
12:53:43
